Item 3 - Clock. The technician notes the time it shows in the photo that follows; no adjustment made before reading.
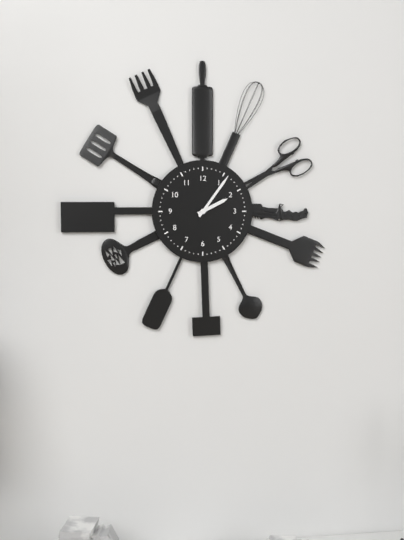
2:06
